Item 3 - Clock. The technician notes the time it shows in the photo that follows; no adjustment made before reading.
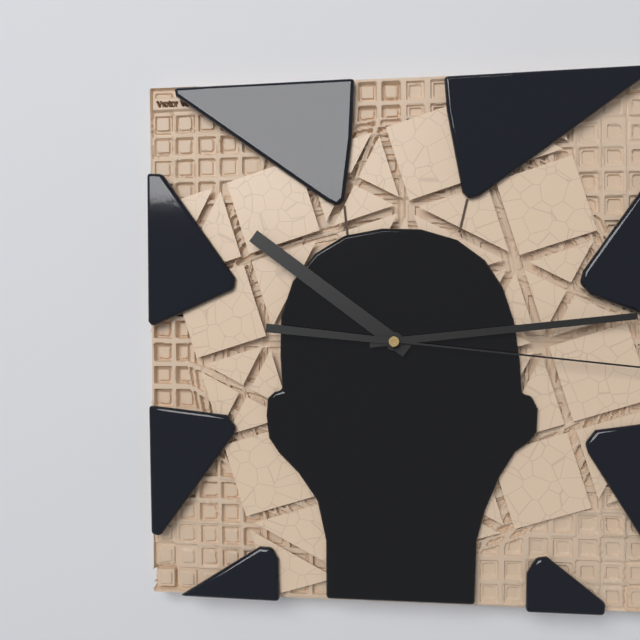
10:14
